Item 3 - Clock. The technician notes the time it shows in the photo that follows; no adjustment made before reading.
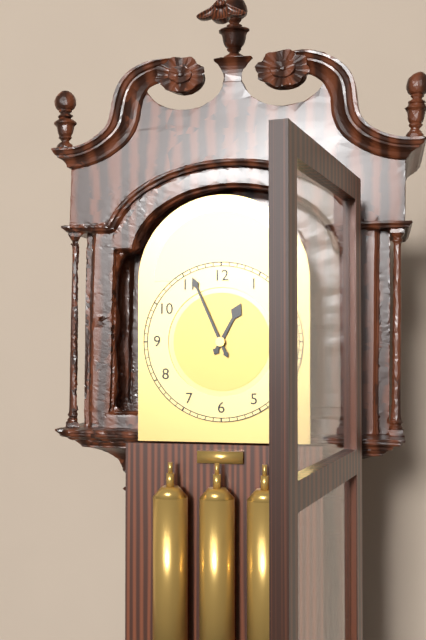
12:56
